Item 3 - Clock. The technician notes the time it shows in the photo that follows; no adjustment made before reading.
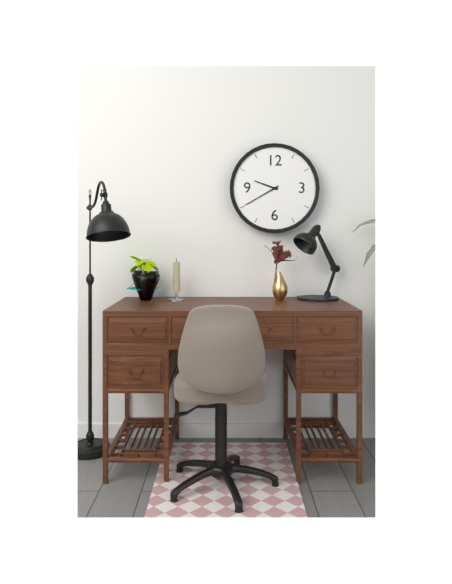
9:40
